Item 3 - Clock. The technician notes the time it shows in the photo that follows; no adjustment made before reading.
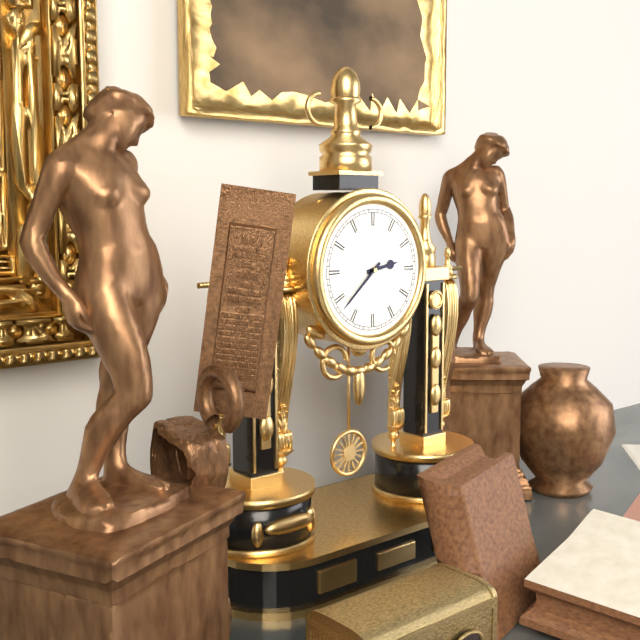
2:38
